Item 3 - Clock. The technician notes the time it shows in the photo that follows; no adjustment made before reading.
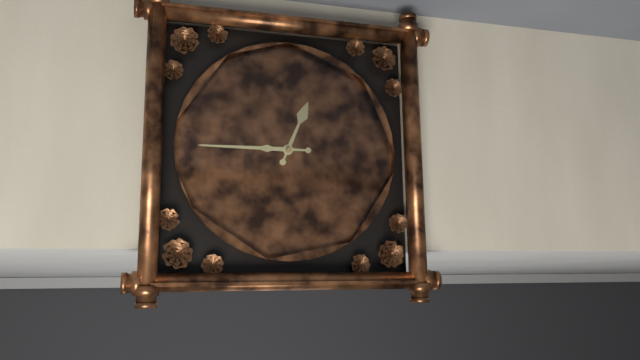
12:45
